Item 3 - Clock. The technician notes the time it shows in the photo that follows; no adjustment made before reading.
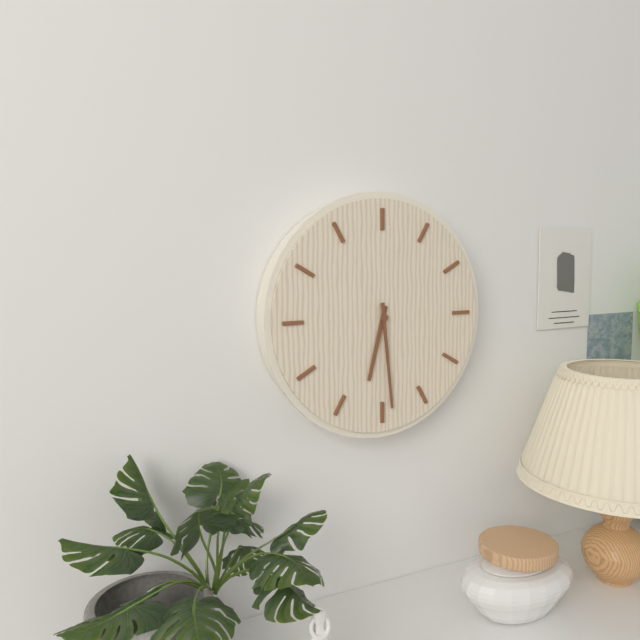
6:29
